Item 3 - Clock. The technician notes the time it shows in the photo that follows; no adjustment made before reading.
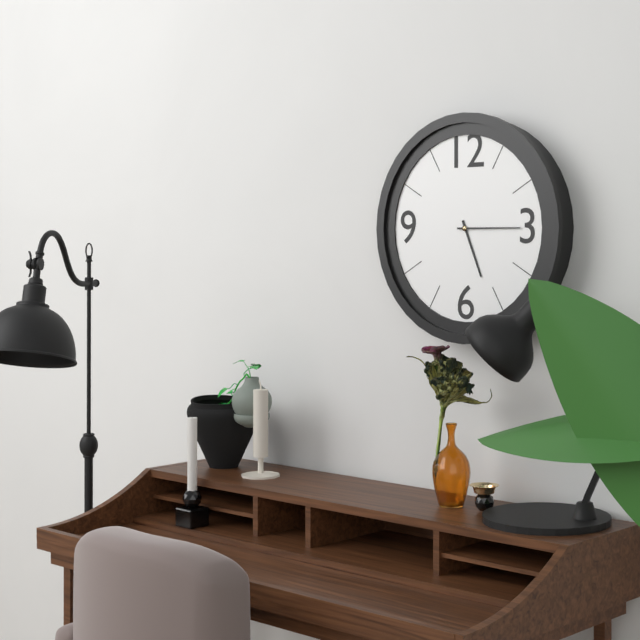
5:15
